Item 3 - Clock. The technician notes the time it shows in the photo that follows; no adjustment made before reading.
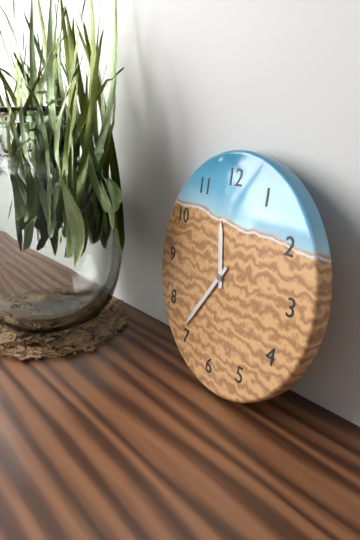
11:36
